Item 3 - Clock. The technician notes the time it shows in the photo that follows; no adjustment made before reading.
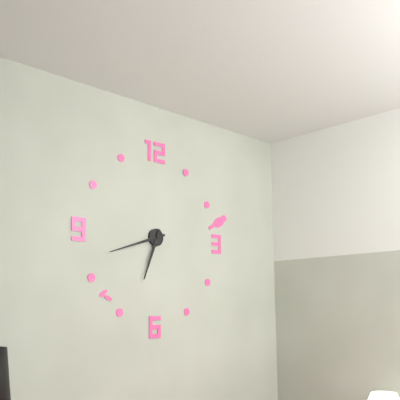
6:42
